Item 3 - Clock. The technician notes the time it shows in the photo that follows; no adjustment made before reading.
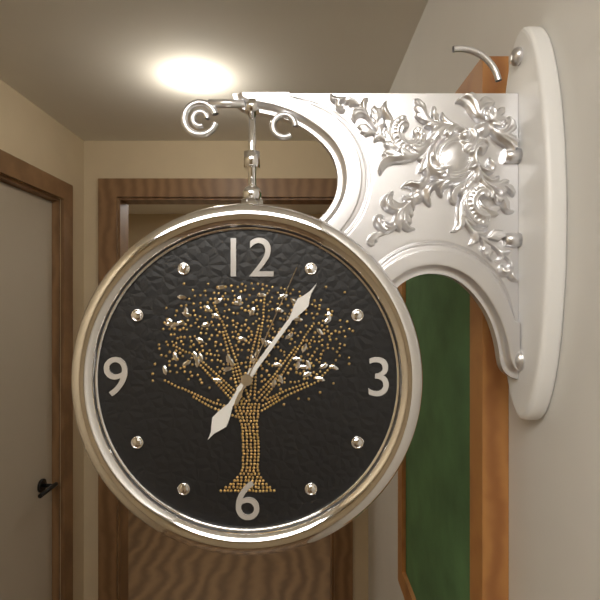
7:06:04
